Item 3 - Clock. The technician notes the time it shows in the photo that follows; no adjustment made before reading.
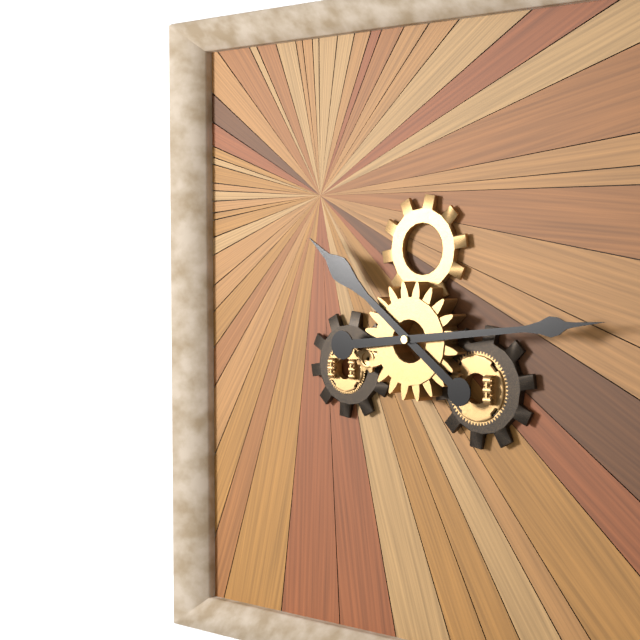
10:14
